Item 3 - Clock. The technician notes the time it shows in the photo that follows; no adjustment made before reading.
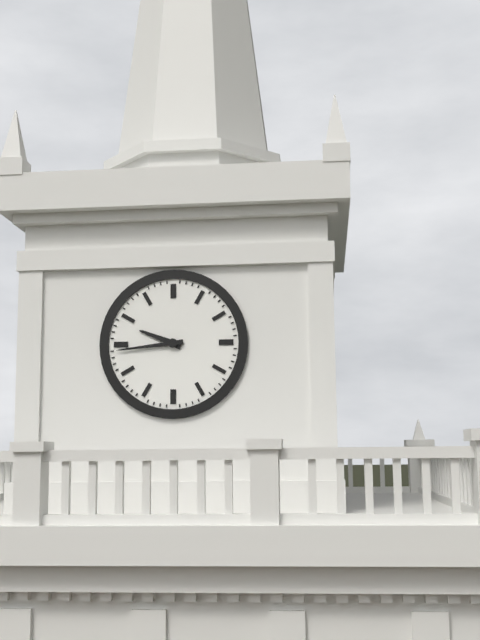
9:44
